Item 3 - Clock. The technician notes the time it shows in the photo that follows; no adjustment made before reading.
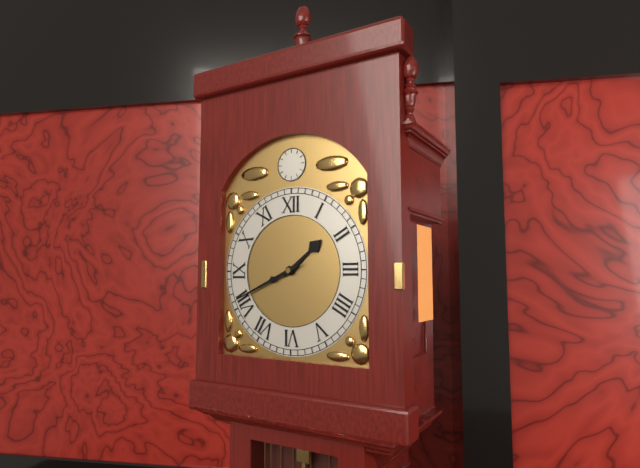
1:41
